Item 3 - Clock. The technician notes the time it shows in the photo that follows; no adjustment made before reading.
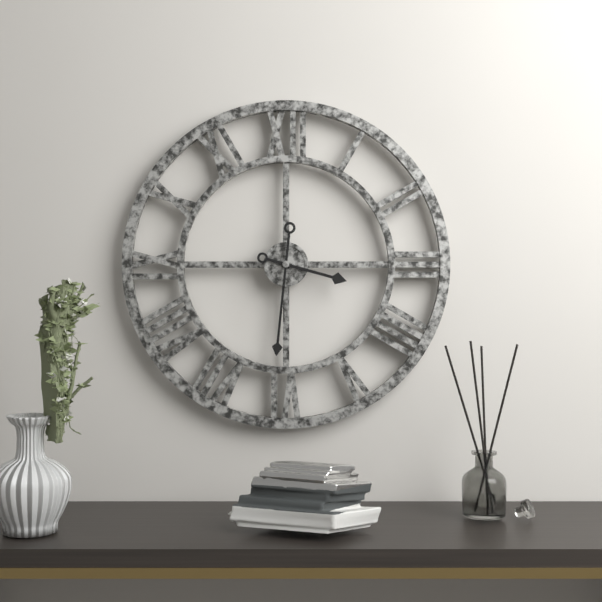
3:31
